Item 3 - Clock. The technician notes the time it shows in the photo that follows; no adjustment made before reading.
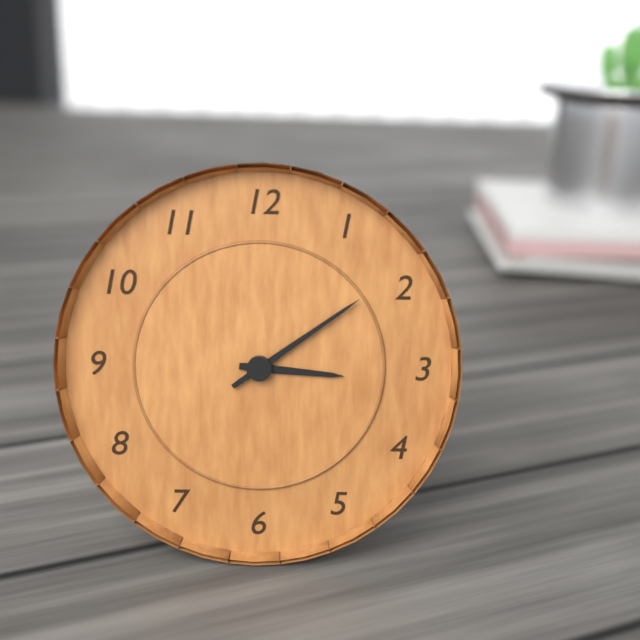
3:09
